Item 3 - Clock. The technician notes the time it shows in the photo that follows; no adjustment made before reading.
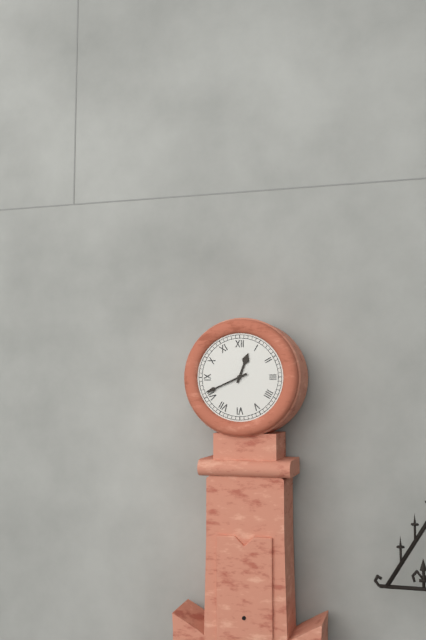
12:41
